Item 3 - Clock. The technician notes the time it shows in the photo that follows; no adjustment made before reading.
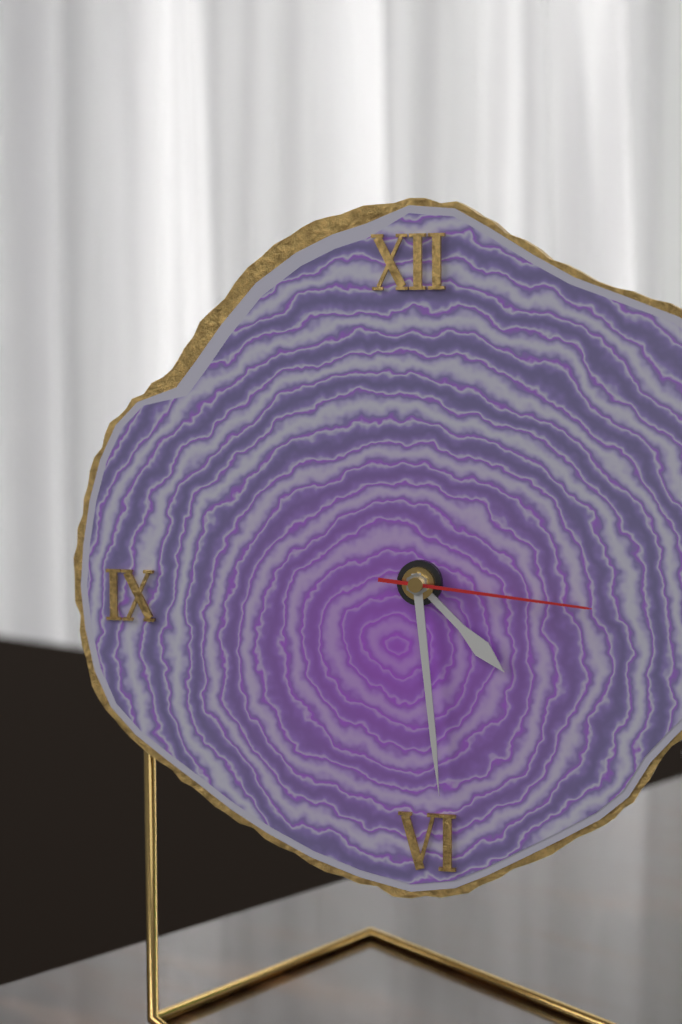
4:29:16
